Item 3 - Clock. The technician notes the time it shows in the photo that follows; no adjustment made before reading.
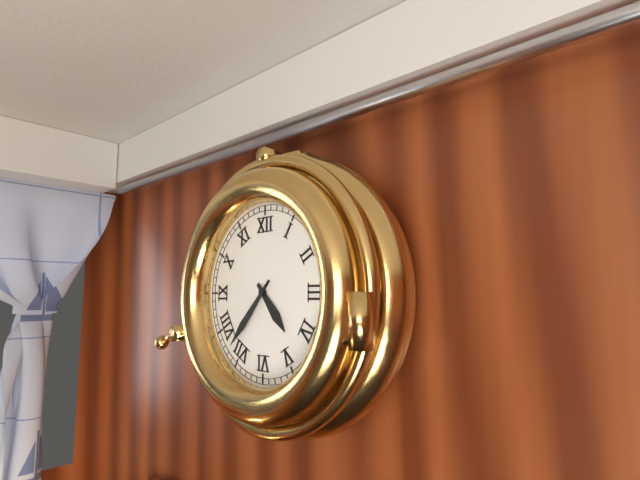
4:37
